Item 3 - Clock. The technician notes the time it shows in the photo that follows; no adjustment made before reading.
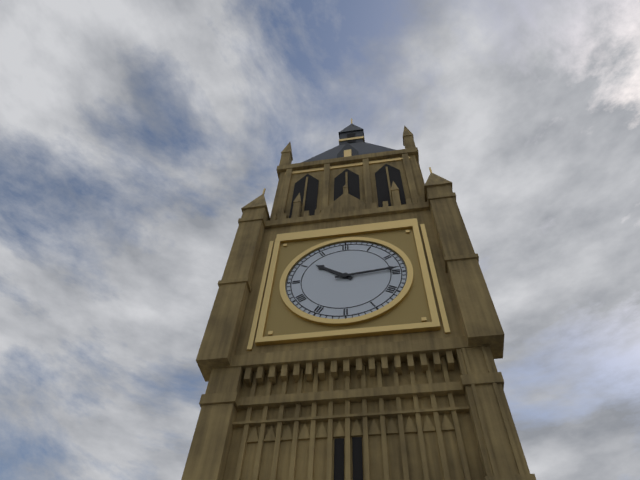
10:14
